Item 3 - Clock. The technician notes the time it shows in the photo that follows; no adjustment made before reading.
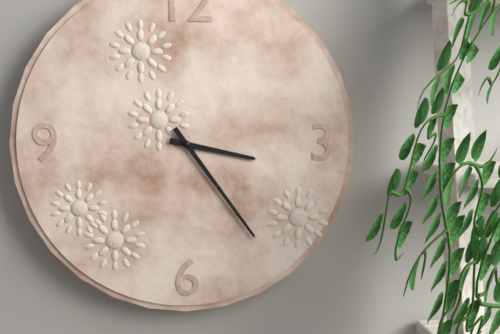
3:24
